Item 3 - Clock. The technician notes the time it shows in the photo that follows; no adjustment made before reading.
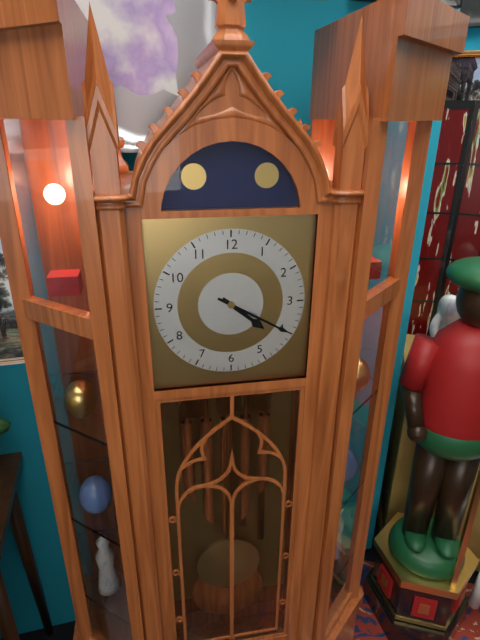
4:20
